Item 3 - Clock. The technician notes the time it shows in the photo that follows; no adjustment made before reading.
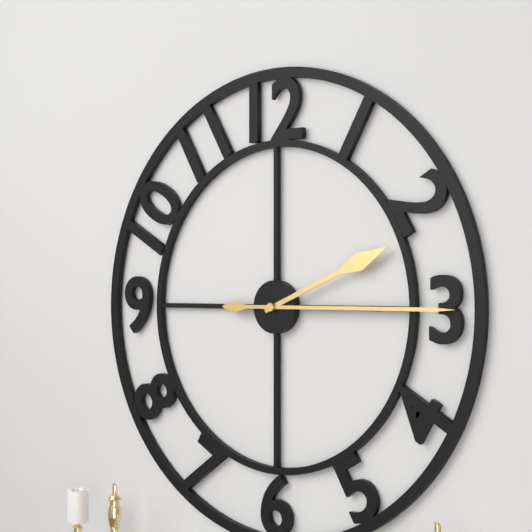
2:15
